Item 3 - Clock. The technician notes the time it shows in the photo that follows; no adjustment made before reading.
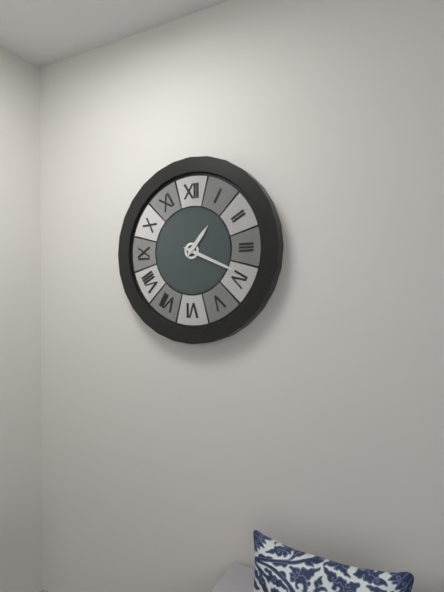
1:19
